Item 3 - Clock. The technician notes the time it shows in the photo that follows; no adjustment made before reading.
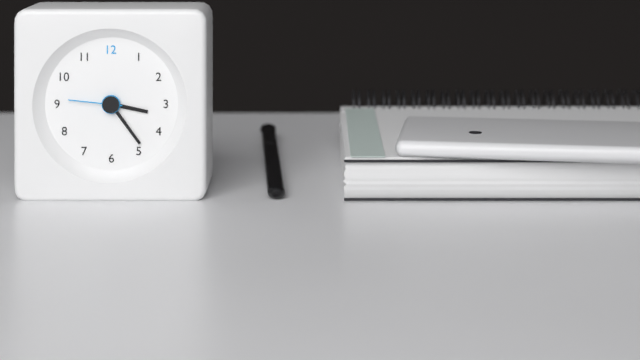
3:24:46
